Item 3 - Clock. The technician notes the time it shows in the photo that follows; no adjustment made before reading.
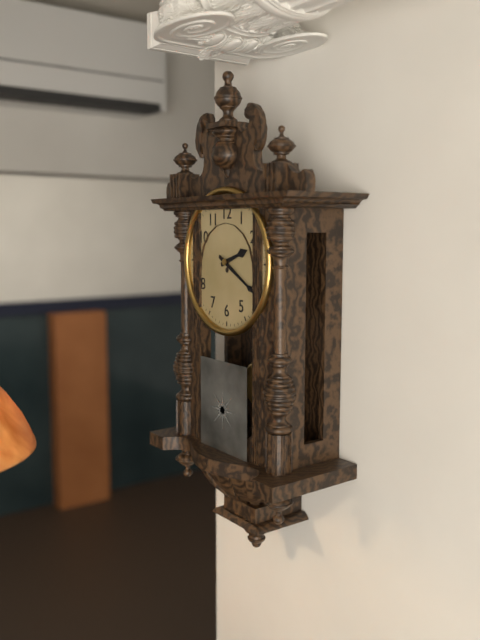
2:20
